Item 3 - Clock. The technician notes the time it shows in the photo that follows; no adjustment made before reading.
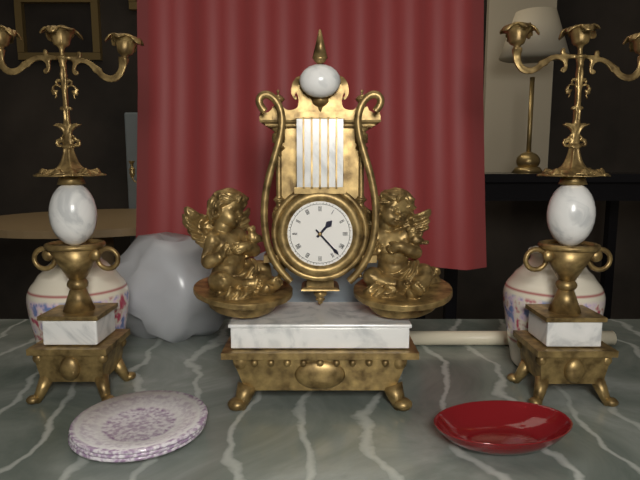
1:23
